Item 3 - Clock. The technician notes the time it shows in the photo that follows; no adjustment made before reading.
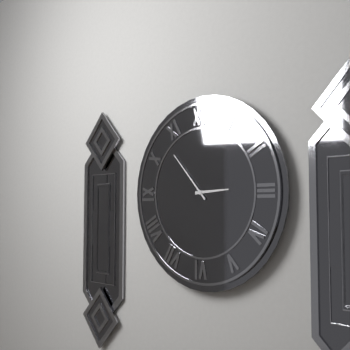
2:53
